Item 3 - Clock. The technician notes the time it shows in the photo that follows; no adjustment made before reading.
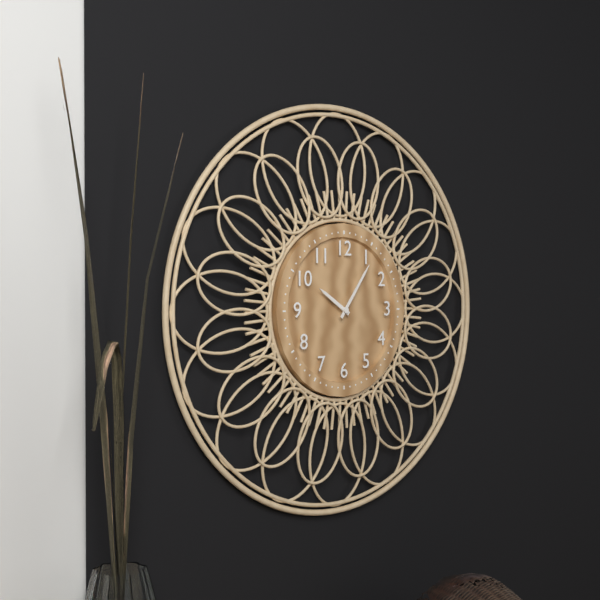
10:06
